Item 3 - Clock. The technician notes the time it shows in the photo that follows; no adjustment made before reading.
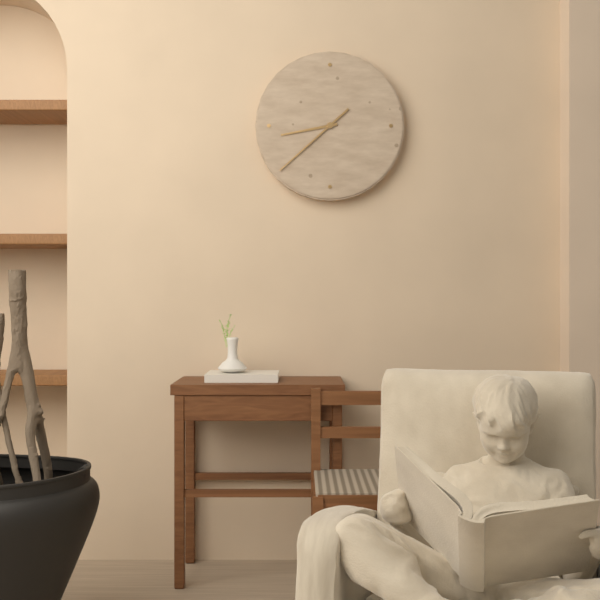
8:38
